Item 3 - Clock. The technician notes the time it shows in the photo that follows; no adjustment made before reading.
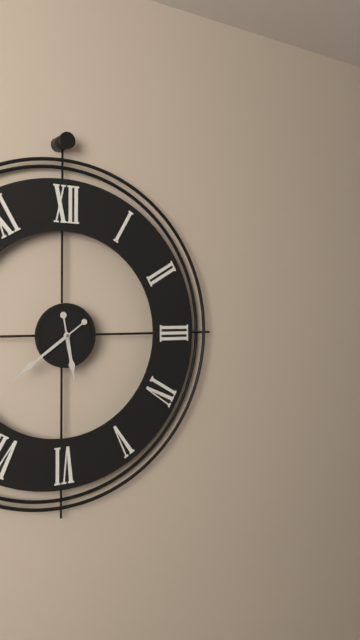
5:39
